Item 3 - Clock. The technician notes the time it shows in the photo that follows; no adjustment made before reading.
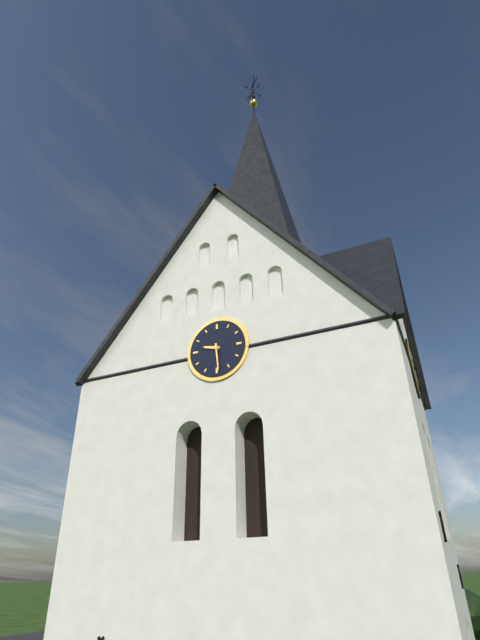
9:29
